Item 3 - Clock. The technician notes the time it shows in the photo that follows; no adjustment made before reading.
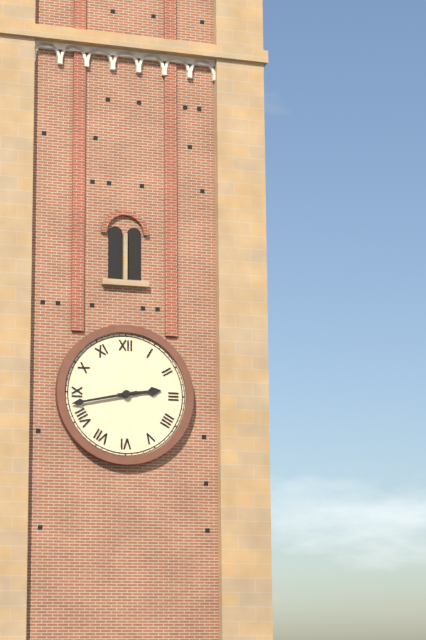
2:43
